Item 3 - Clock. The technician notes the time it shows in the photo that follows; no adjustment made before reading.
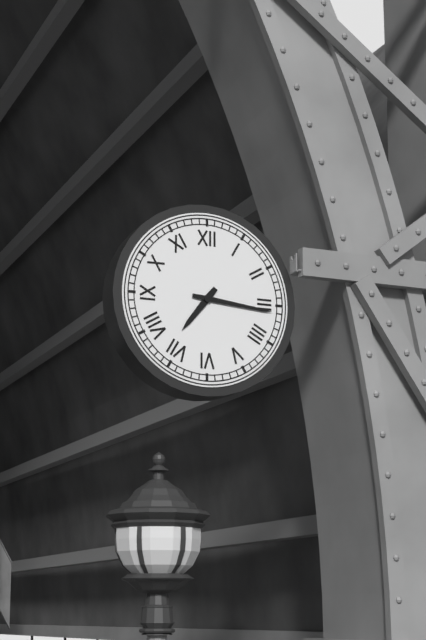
7:16
